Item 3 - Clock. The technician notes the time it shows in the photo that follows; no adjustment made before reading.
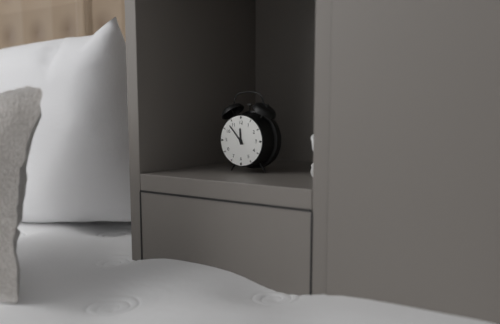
11:53
